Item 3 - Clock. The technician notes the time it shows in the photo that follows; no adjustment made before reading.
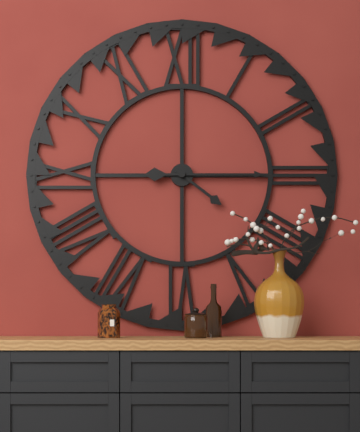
4:15
